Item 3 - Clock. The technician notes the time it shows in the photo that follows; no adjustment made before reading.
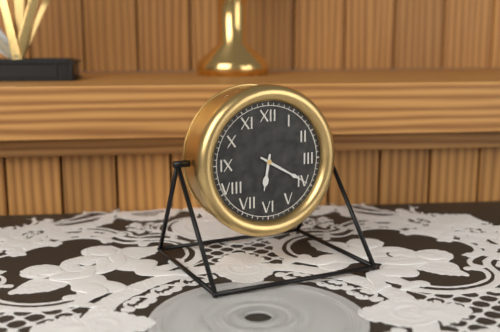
6:20
